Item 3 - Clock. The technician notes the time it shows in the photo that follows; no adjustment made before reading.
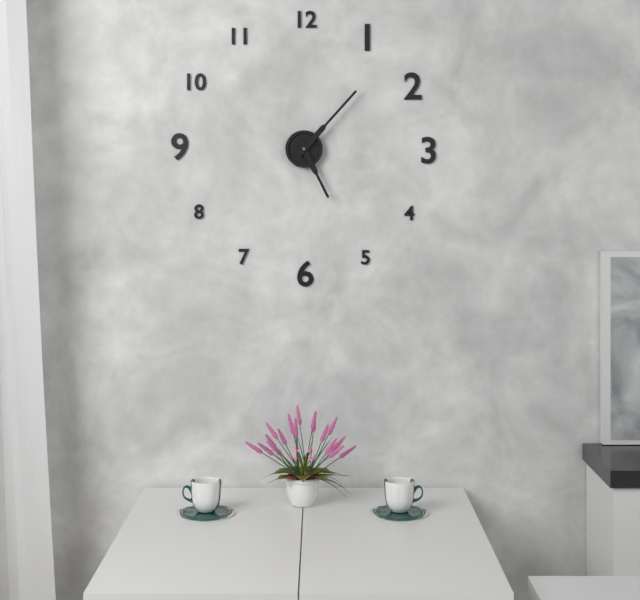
5:07
